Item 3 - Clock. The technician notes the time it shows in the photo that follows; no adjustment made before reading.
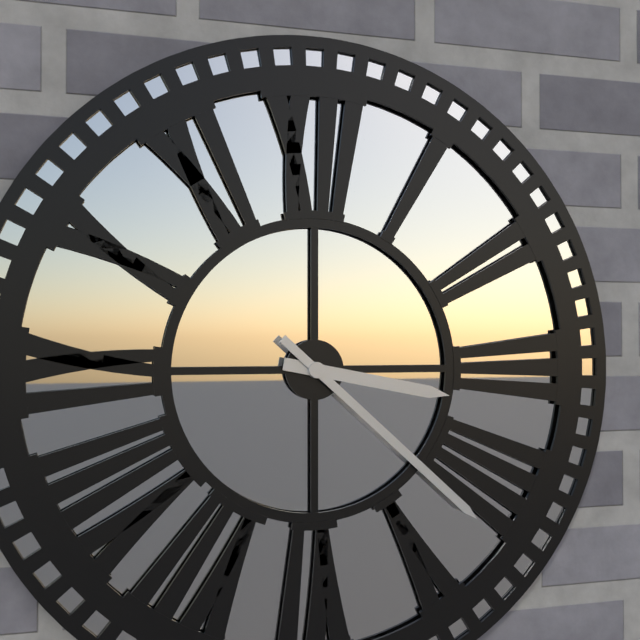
3:22
